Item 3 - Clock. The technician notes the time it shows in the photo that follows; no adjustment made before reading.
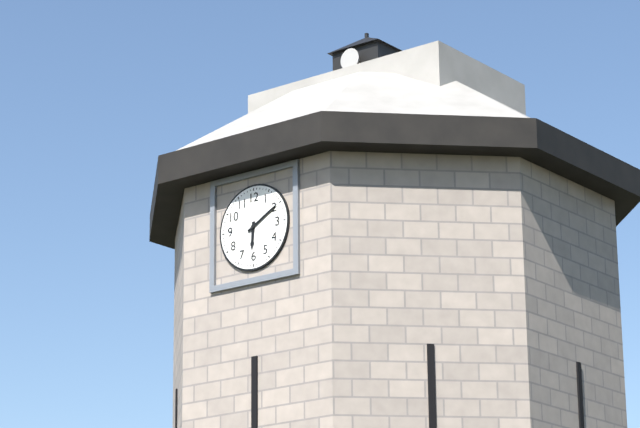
6:10
